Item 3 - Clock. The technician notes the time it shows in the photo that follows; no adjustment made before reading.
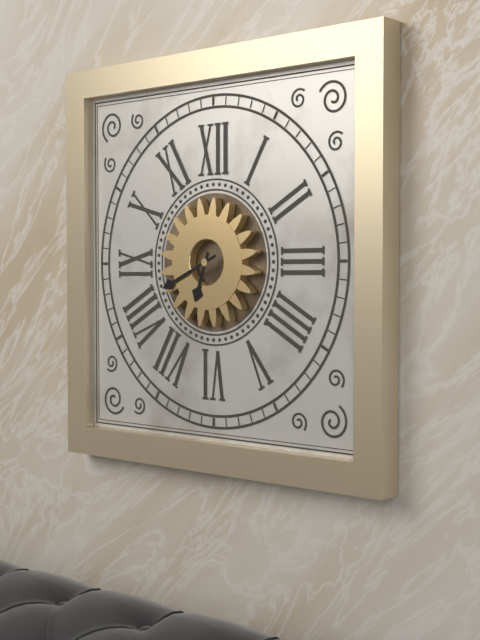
6:41
